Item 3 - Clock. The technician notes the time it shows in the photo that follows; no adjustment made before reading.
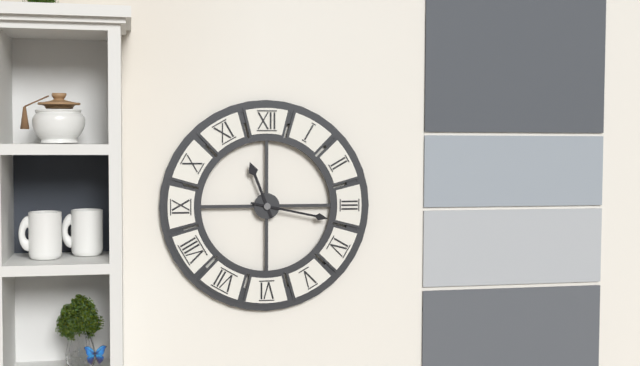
11:17
